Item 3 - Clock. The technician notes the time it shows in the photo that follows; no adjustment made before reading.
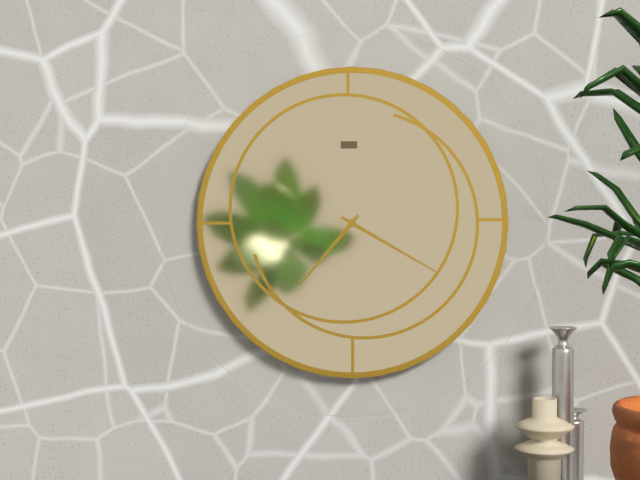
7:20
